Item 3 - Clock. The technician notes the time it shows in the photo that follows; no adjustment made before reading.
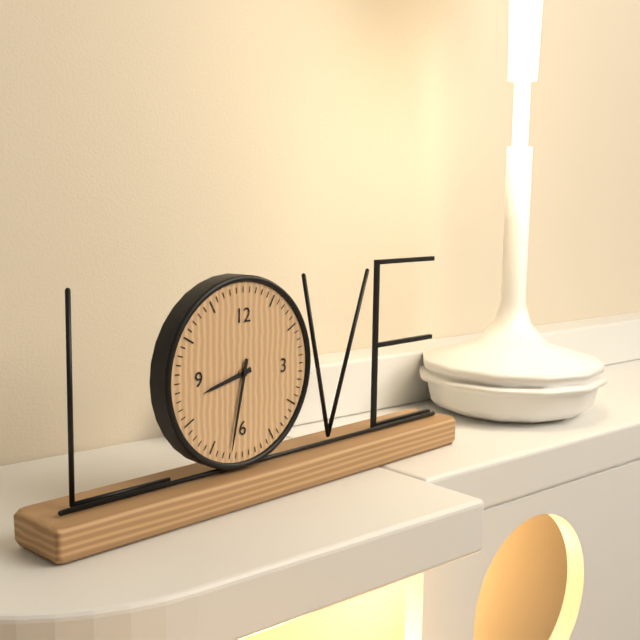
8:32
